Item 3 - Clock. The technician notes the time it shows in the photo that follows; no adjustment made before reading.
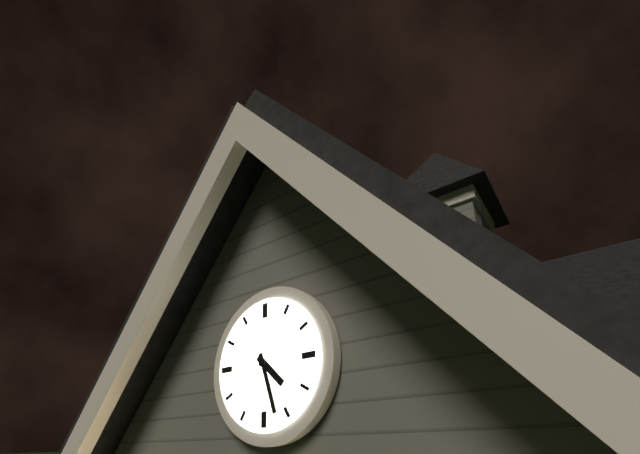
4:27
